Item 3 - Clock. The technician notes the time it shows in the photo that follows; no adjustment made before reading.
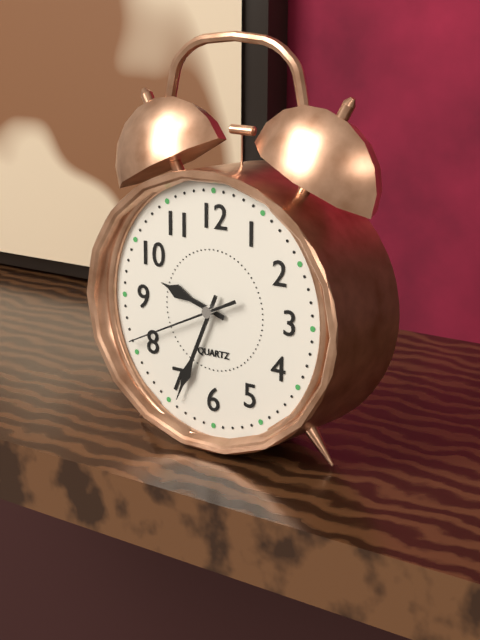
9:34:41
